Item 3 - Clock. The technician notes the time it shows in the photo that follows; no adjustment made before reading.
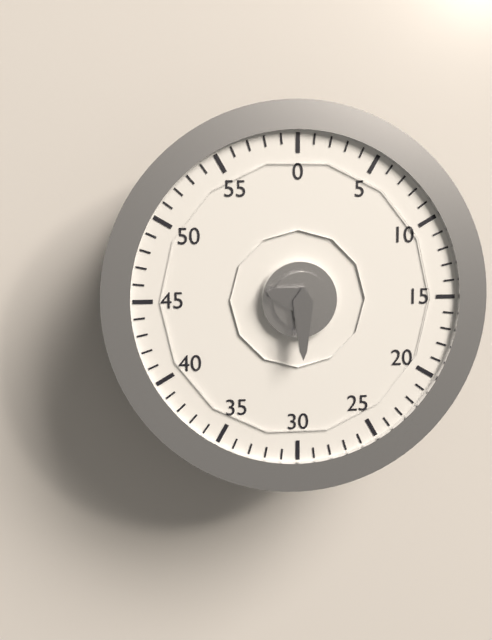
9:30
